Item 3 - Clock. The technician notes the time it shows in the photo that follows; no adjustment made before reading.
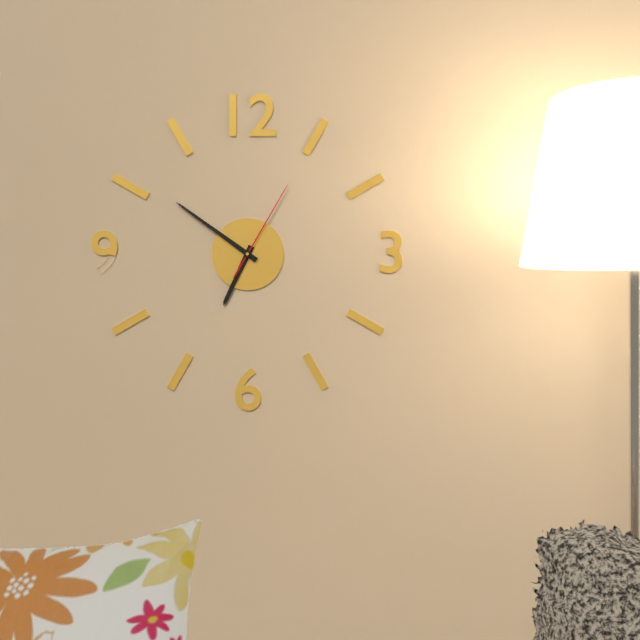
6:51:05
